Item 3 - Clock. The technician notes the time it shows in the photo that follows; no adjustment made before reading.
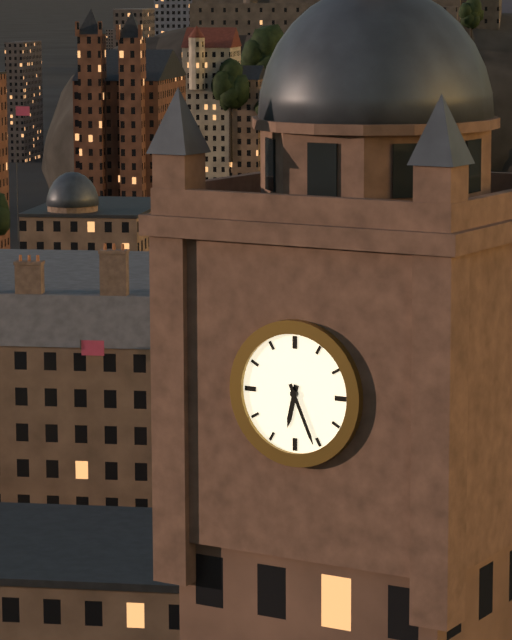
6:26
